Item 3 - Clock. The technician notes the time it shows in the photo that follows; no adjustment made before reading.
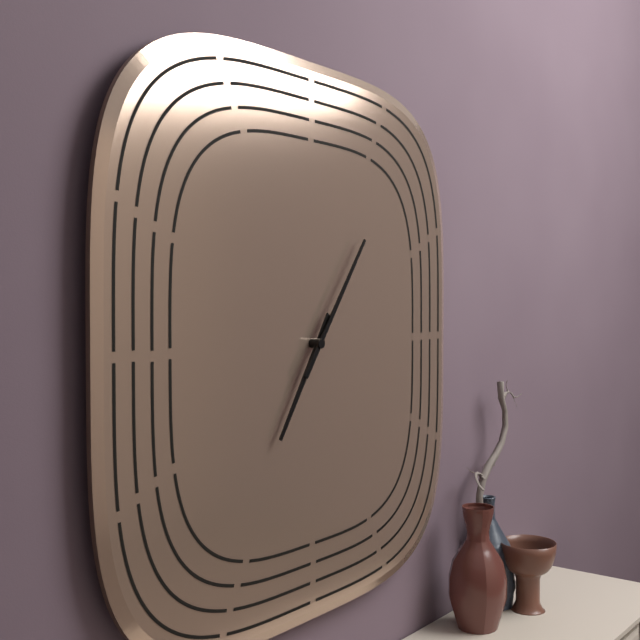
7:06
